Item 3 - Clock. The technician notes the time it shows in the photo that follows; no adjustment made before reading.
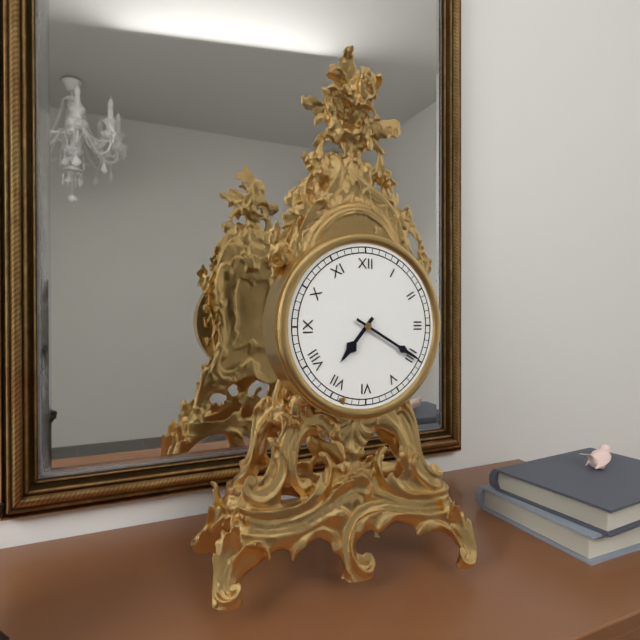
7:20
